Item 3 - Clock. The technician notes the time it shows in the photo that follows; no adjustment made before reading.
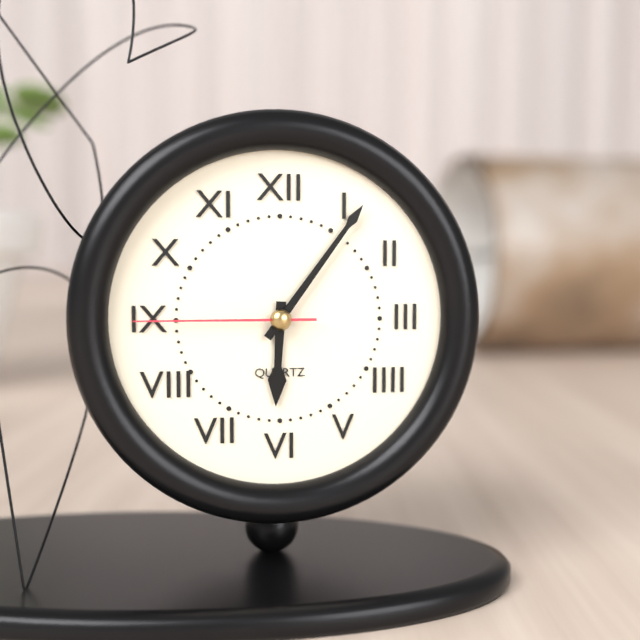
6:06:45
